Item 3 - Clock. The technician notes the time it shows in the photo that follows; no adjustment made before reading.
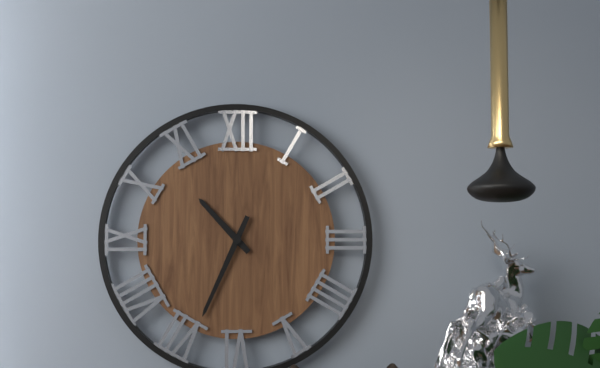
10:34
